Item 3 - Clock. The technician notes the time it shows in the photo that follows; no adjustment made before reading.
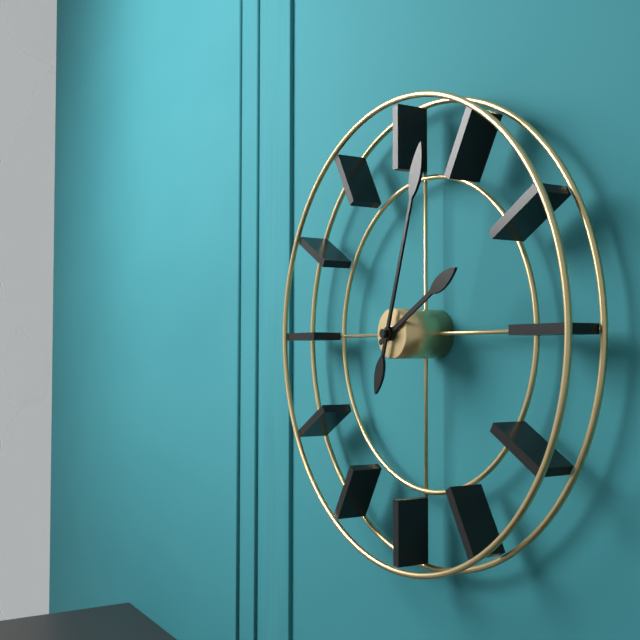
2:03
